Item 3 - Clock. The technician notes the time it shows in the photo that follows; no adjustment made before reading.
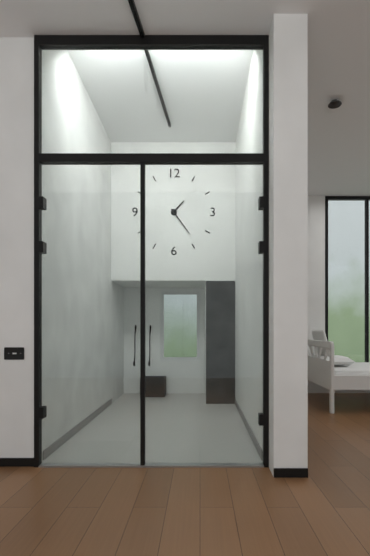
1:24
